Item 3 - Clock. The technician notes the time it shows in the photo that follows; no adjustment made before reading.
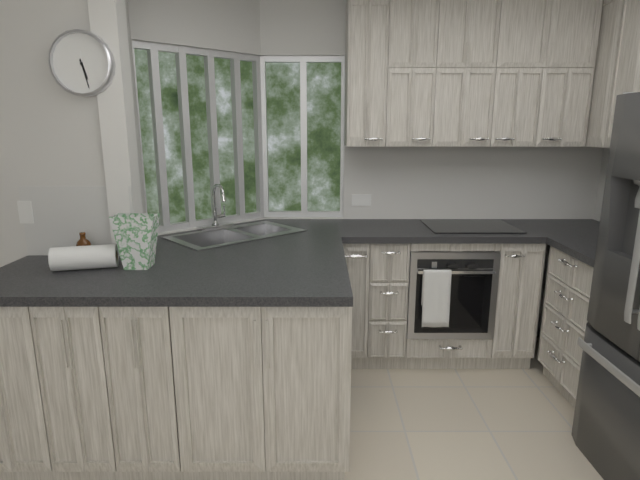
5:28
